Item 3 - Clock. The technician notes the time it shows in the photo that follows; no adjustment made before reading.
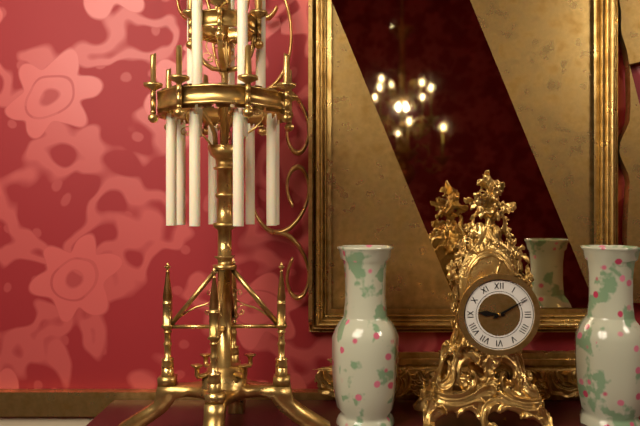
9:10
